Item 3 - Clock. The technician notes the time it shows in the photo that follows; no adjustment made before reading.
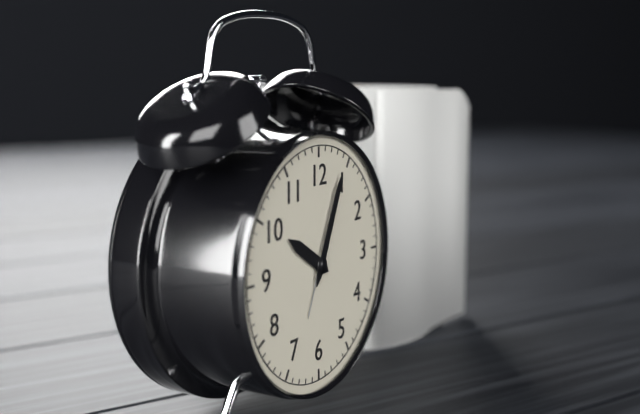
10:04
